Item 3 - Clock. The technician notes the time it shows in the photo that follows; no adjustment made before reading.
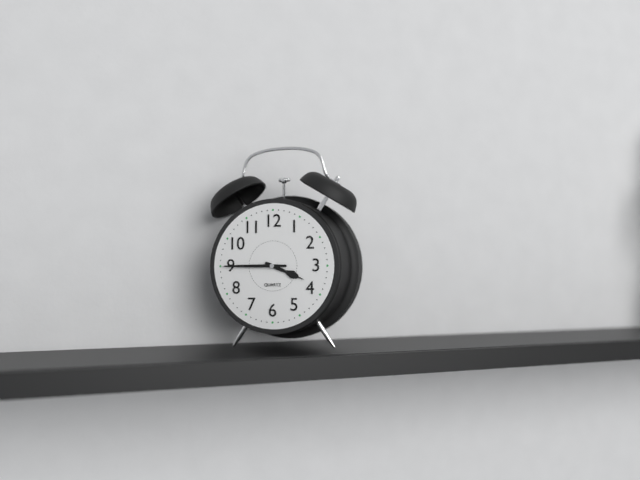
3:45
